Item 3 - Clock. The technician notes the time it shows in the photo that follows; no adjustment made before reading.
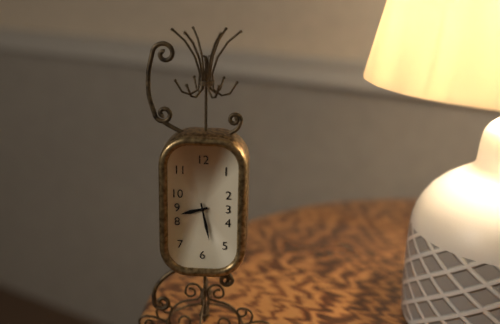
8:28
